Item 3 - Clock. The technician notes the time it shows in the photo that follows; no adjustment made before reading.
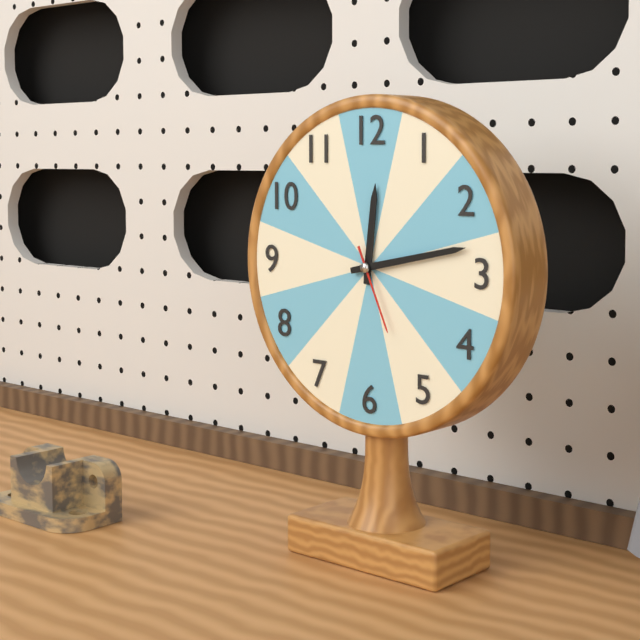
12:13:26
